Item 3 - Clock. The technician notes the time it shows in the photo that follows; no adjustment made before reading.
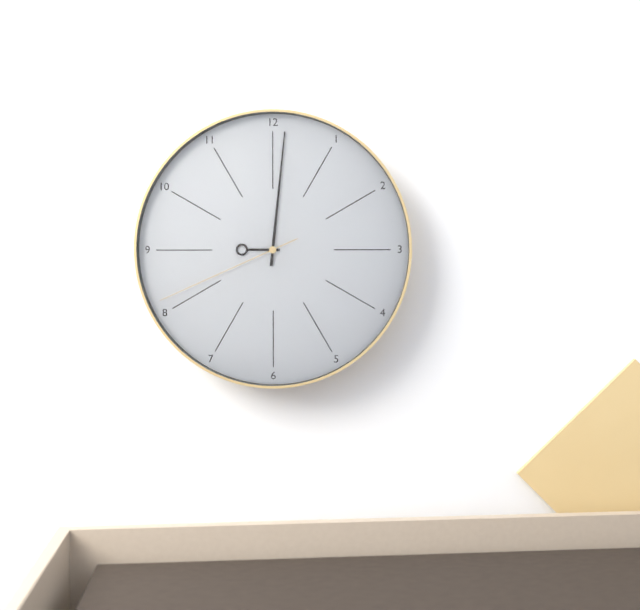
9:01:41
